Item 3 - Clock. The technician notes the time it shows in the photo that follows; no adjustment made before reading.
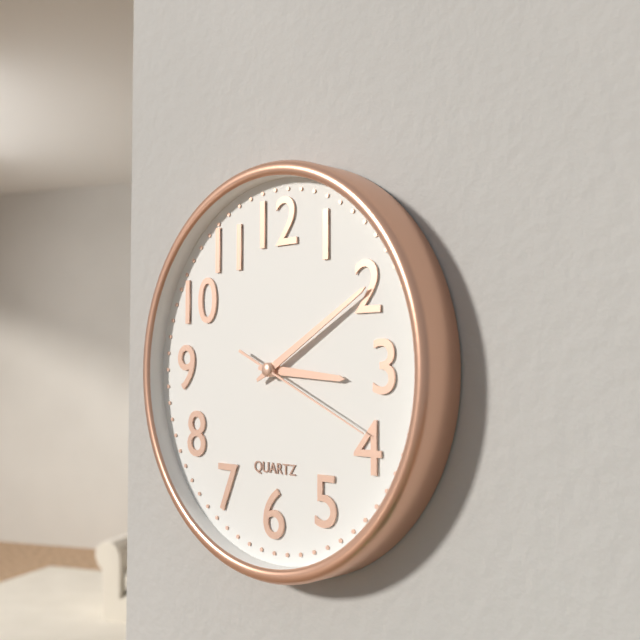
3:10:19
